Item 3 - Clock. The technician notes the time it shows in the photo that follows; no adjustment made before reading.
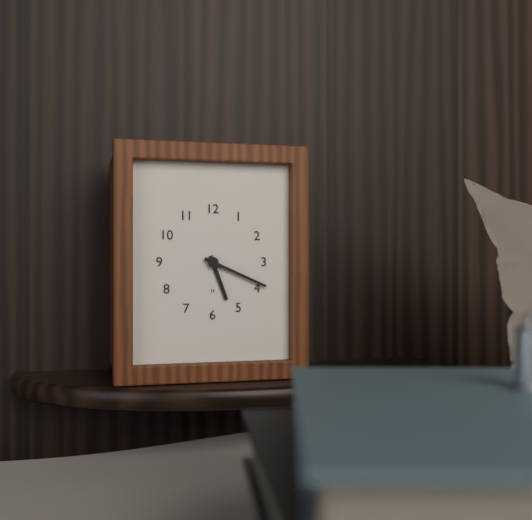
5:19
